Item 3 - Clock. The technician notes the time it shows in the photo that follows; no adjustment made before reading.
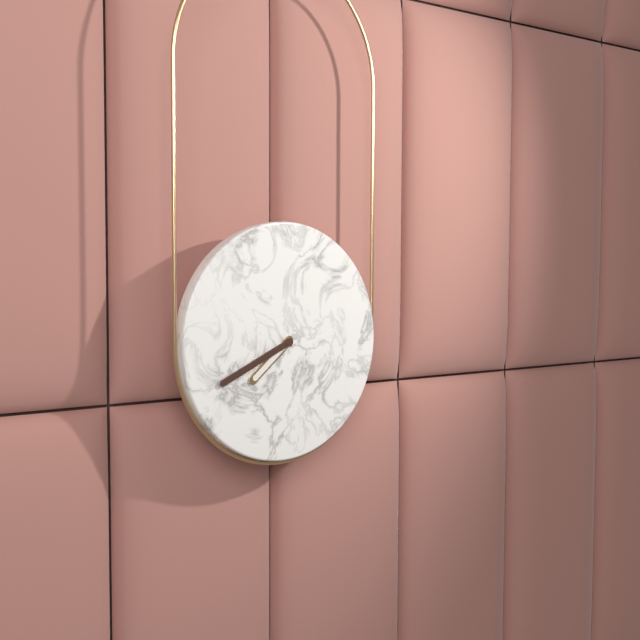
7:41
